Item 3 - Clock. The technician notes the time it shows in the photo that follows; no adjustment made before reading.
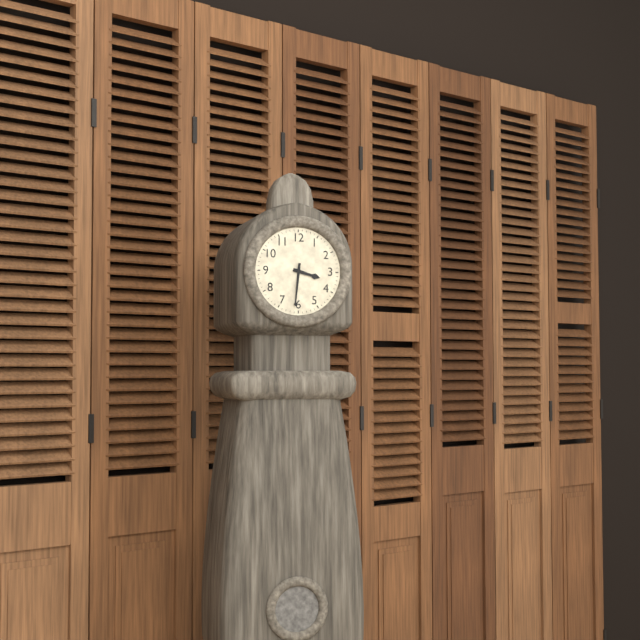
3:31
